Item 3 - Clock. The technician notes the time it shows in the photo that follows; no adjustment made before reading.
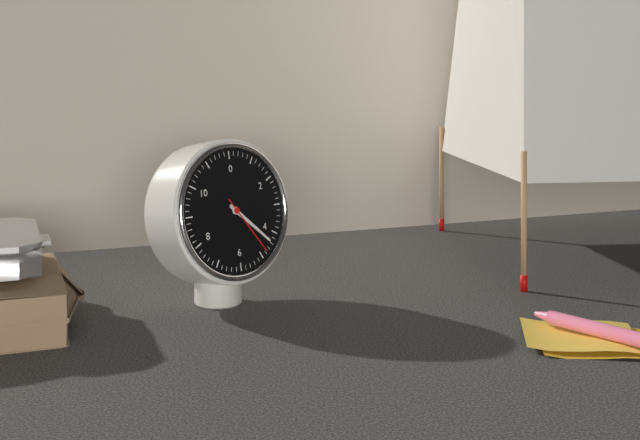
4:22:24
